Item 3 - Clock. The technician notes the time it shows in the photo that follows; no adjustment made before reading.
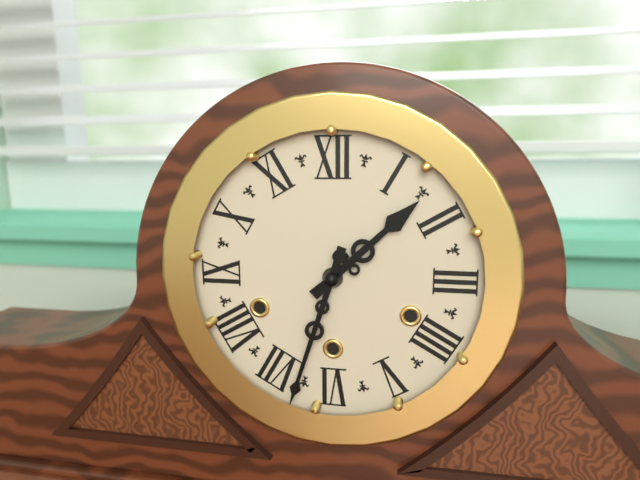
1:33
